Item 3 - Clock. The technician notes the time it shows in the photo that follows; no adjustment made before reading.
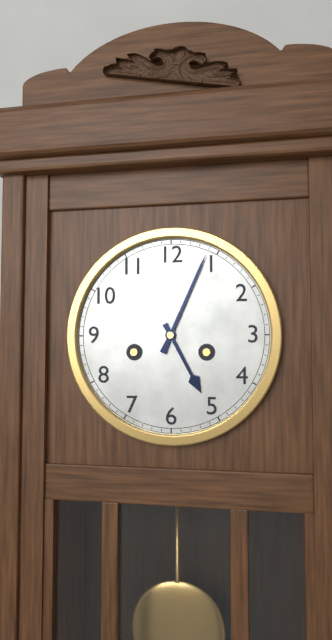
5:04
